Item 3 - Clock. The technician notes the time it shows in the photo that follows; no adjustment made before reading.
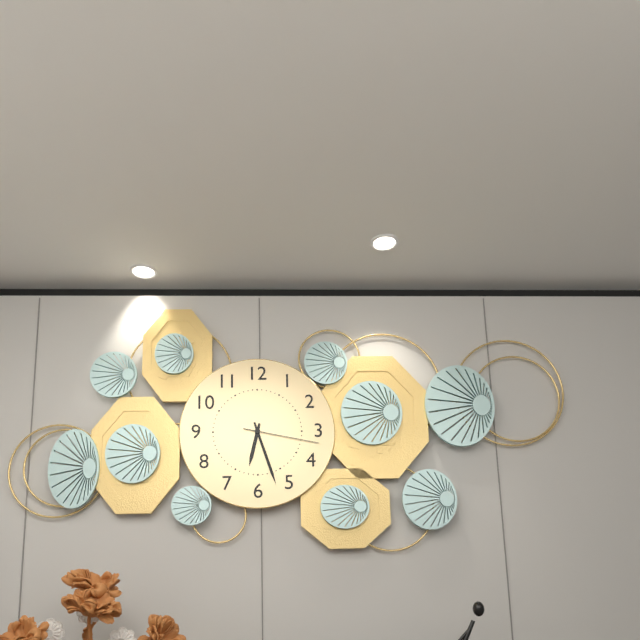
6:27:17
